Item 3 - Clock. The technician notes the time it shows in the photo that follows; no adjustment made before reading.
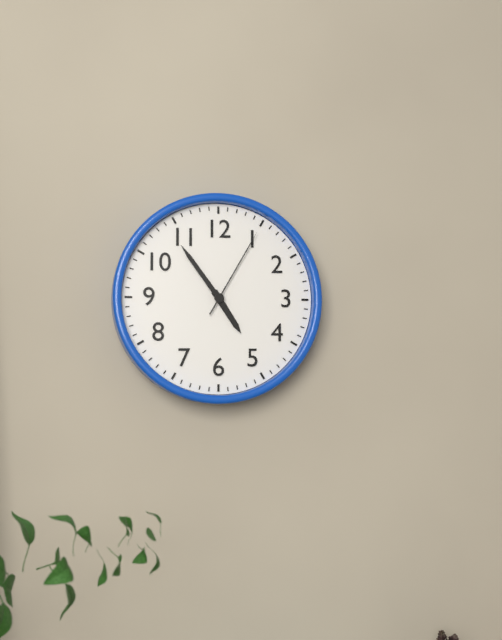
4:54:05
